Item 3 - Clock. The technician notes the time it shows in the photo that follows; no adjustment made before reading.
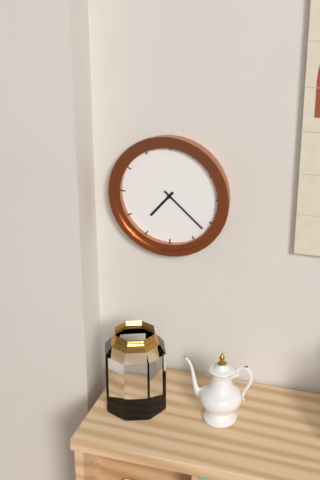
7:22
